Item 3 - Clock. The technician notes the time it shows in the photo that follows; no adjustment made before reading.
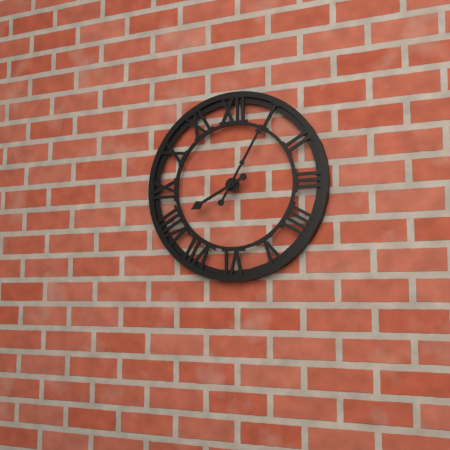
8:05
